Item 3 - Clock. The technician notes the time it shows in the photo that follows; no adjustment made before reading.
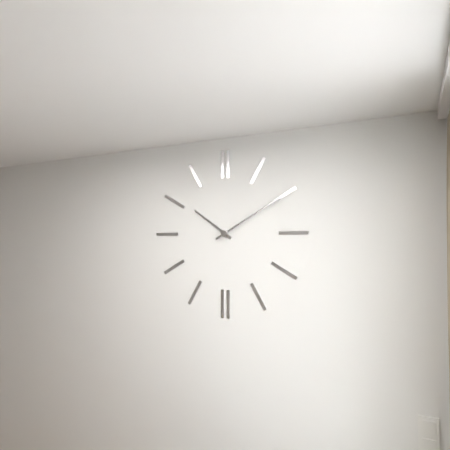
10:10
